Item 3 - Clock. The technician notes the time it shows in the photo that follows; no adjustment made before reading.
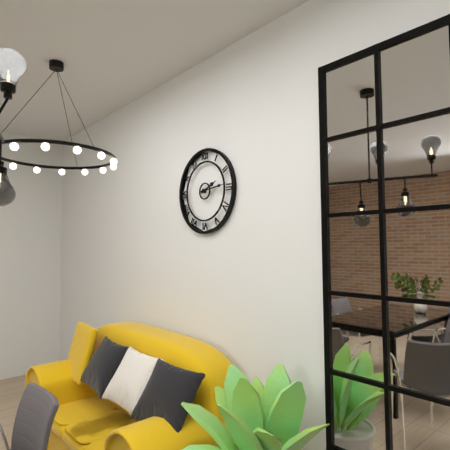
2:14
